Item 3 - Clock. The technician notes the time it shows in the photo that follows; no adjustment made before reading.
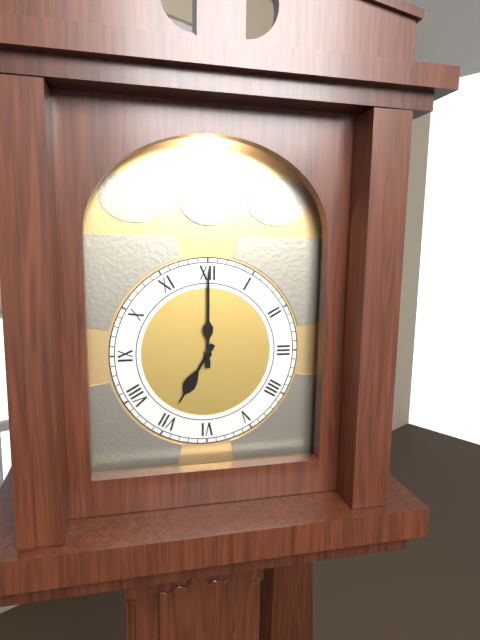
7:00
